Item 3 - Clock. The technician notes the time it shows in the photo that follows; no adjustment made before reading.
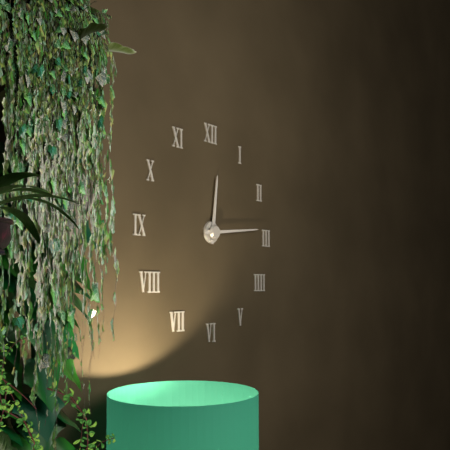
12:14
